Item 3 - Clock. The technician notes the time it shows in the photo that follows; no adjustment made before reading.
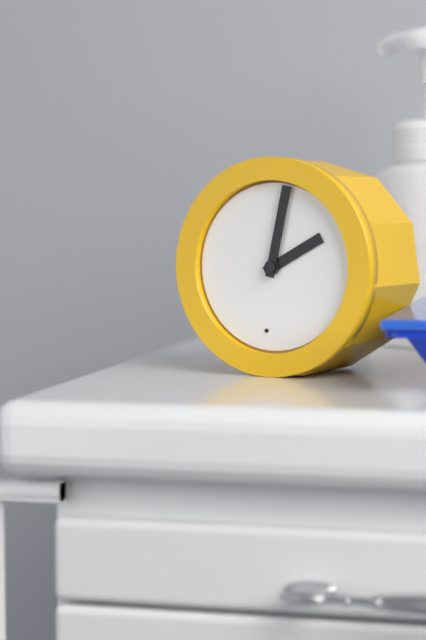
2:02
